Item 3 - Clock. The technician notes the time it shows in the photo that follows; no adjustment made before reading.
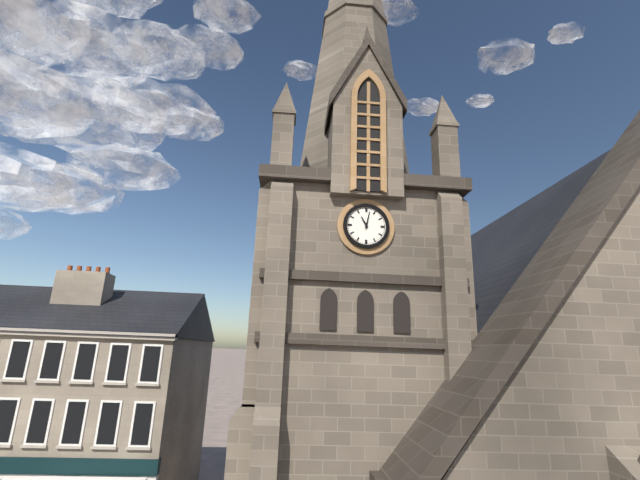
11:02
